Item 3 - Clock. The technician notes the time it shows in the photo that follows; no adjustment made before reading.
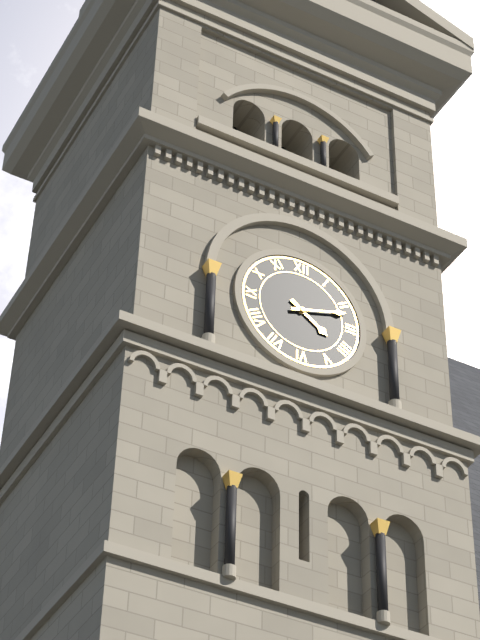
4:12
